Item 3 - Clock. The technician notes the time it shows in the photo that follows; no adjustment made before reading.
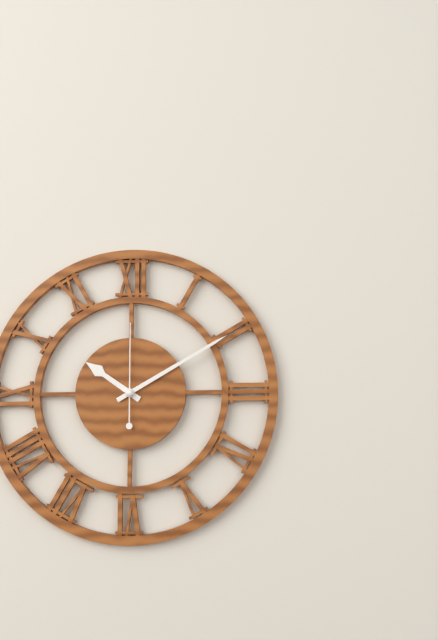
10:10:00
